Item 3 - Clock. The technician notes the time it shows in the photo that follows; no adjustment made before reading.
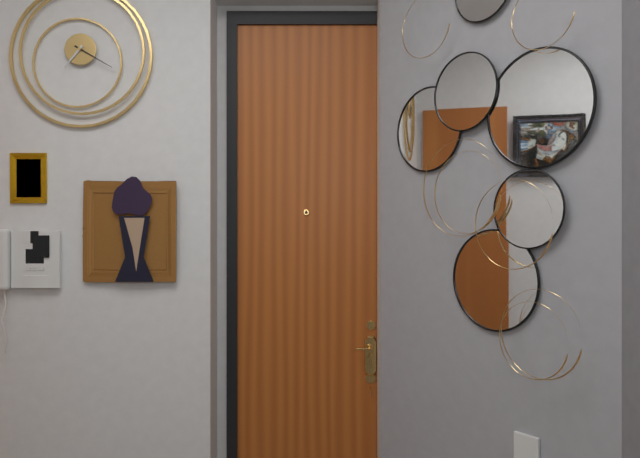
7:20
